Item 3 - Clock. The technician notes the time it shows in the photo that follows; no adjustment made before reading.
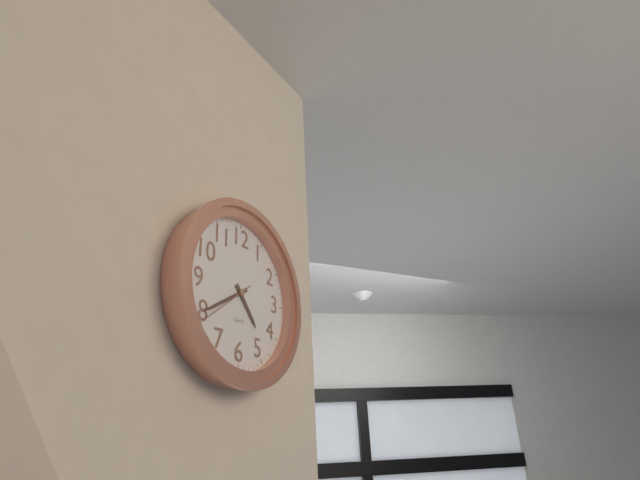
4:40:39
